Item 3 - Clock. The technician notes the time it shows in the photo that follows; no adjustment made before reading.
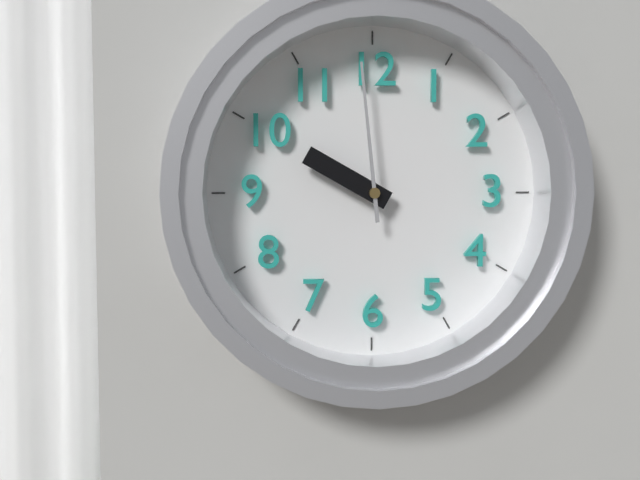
9:59
